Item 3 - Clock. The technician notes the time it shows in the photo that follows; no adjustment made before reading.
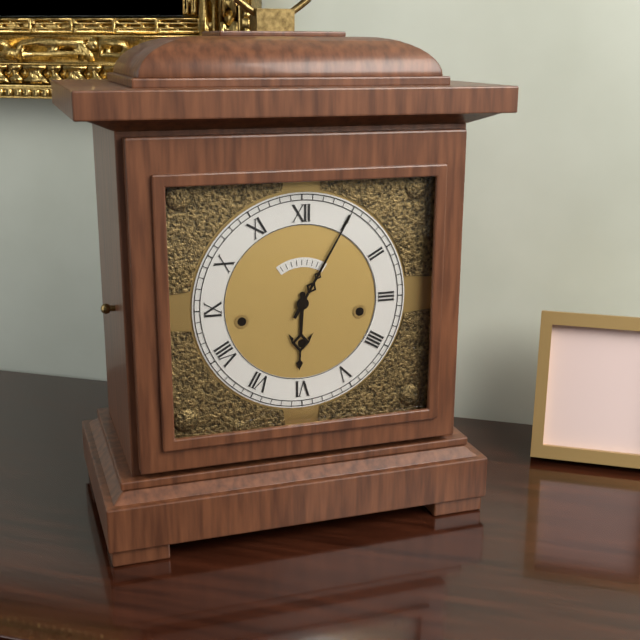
6:05
